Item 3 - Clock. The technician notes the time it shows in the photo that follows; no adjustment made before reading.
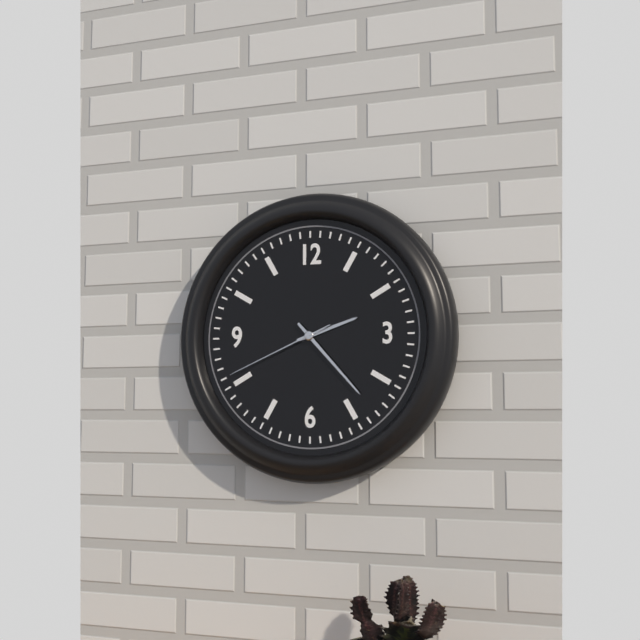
2:23:41
